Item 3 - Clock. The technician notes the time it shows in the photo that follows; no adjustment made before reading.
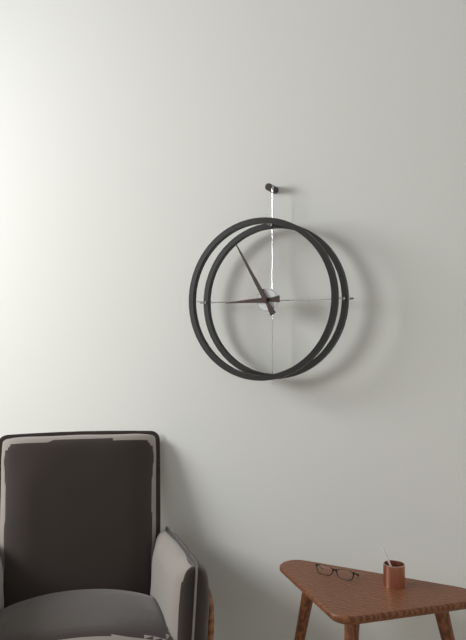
8:55
